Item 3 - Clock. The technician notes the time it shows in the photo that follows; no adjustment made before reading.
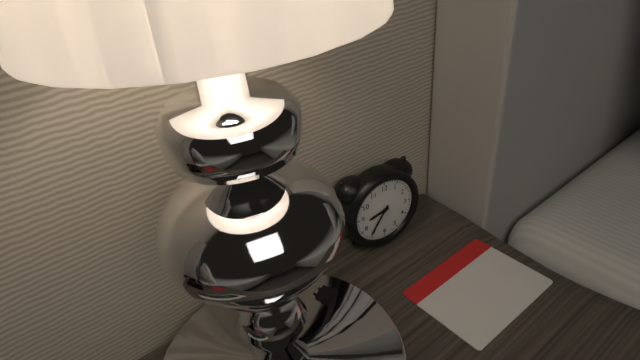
8:36
